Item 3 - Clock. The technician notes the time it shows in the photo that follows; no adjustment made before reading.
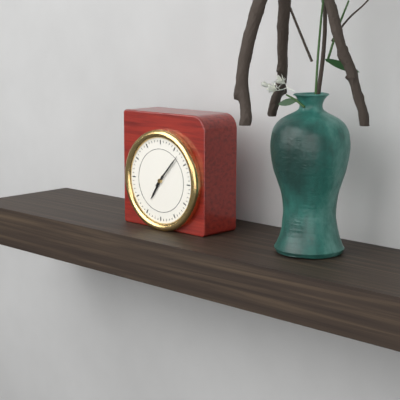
7:07
